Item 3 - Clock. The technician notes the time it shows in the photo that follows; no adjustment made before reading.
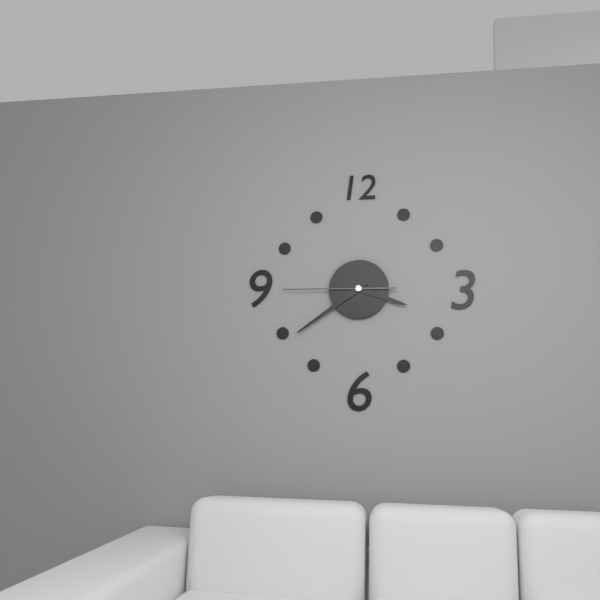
3:39:45
